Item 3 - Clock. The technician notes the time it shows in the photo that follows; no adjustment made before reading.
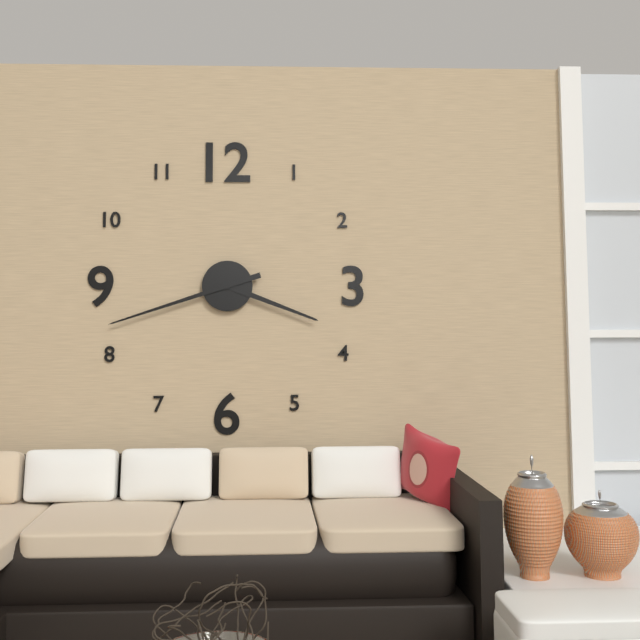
3:42
